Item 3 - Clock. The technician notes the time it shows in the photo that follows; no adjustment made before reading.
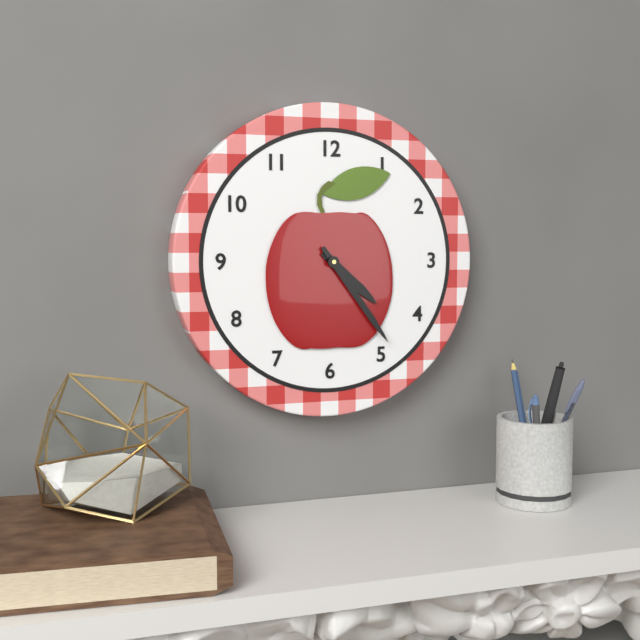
4:24
